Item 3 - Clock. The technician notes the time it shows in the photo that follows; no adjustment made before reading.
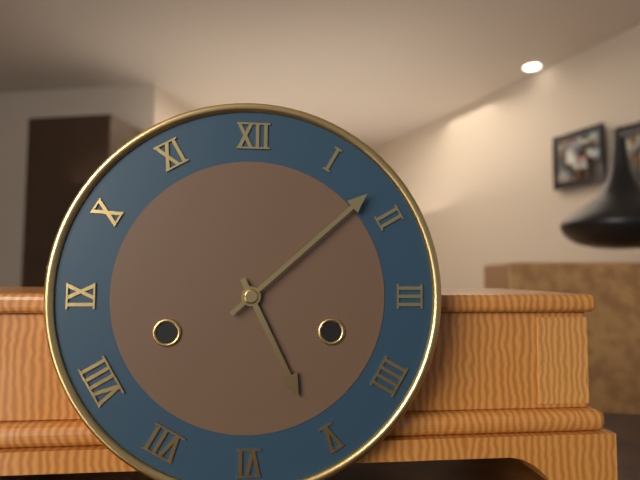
5:08
